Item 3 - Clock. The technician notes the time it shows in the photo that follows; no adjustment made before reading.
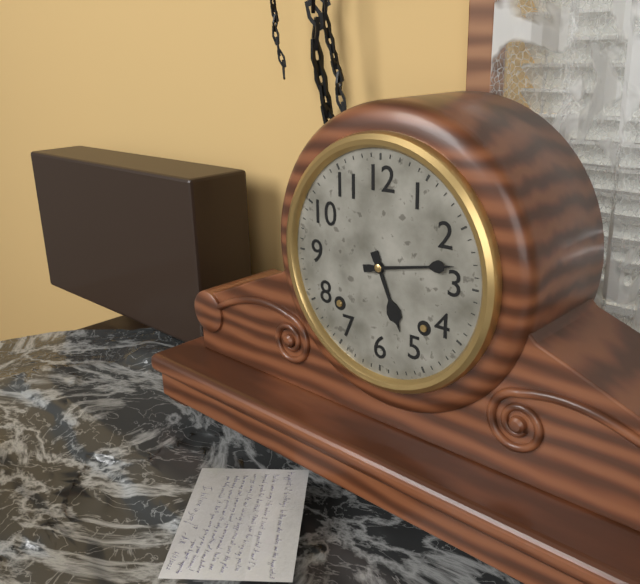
5:13
